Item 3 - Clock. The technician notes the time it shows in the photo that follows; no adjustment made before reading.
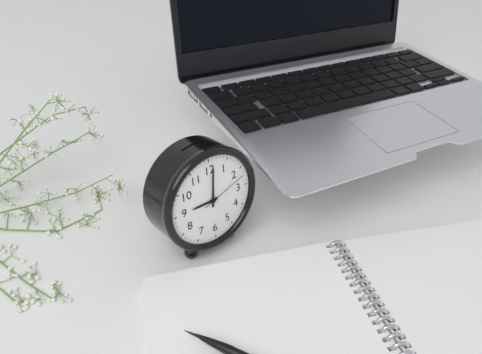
9:01:12
